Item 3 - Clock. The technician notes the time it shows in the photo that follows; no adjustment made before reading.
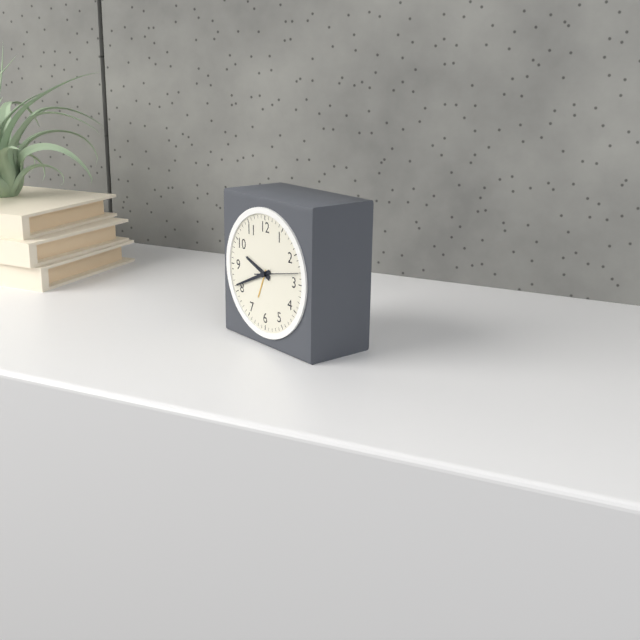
9:41
